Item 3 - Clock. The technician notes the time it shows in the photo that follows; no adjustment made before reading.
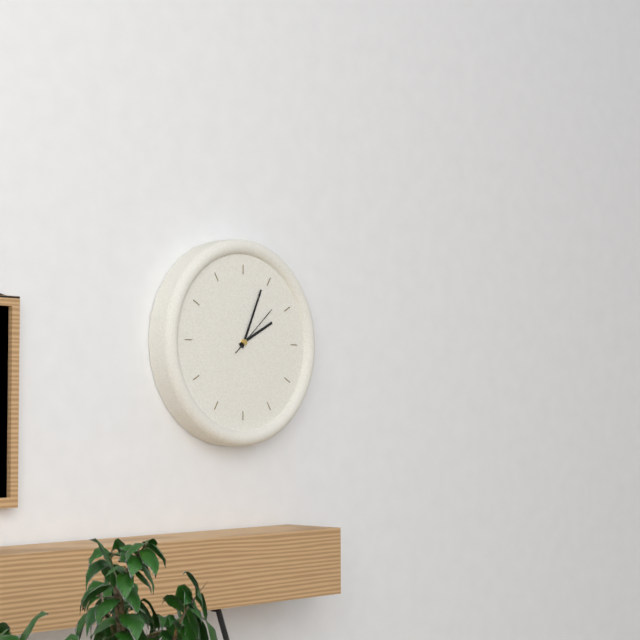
2:04:08
